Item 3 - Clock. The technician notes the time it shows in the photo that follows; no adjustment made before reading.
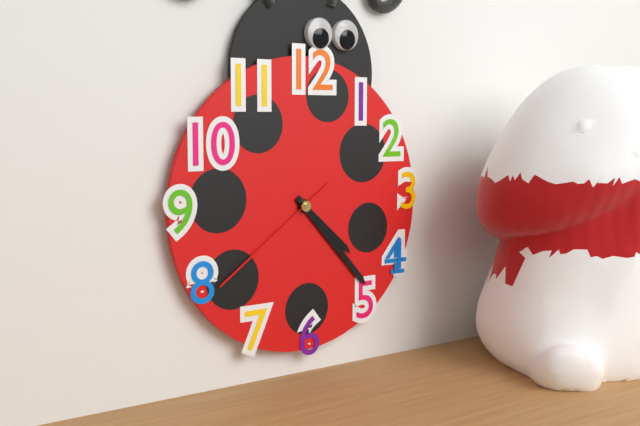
4:23:39
